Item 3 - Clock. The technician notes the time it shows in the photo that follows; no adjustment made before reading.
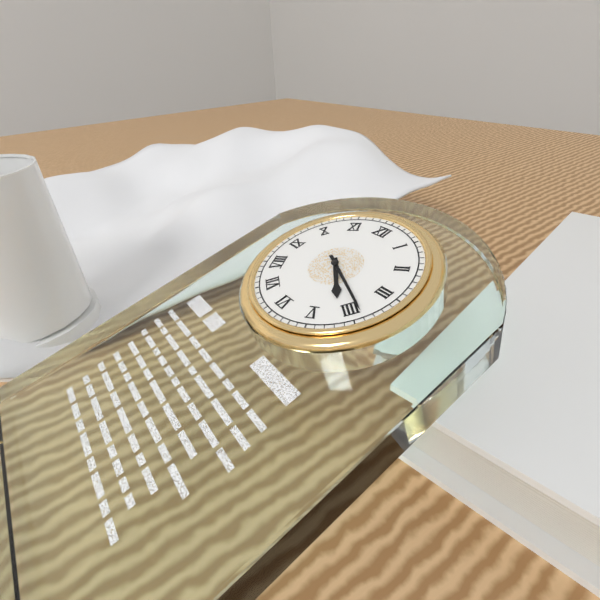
4:19
